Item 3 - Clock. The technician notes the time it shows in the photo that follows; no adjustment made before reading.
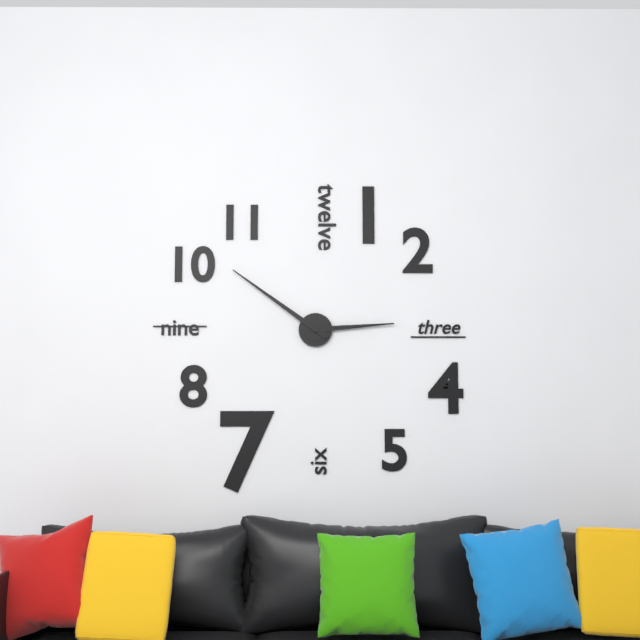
2:51
